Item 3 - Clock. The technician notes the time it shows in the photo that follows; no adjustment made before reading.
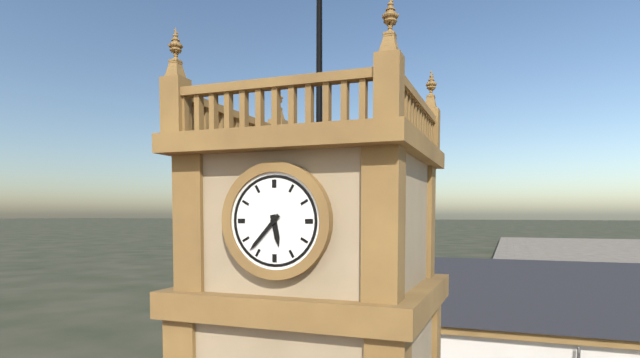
5:37
